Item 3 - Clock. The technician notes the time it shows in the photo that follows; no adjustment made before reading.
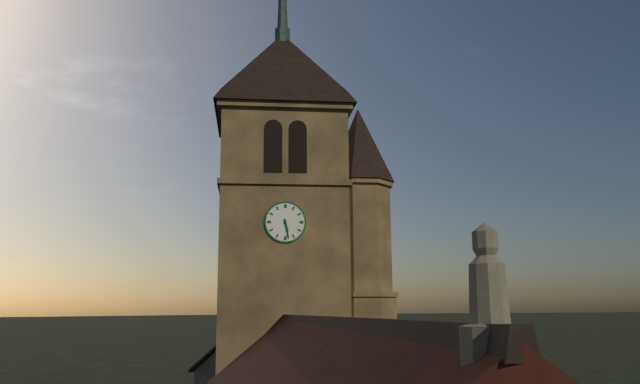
5:28
